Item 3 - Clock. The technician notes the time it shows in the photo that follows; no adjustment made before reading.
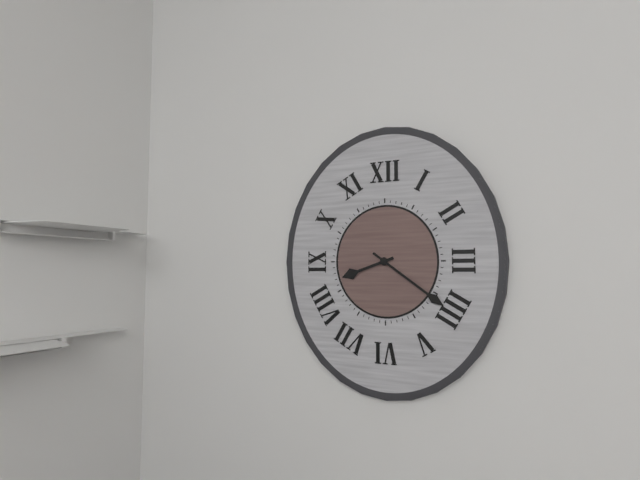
8:21
